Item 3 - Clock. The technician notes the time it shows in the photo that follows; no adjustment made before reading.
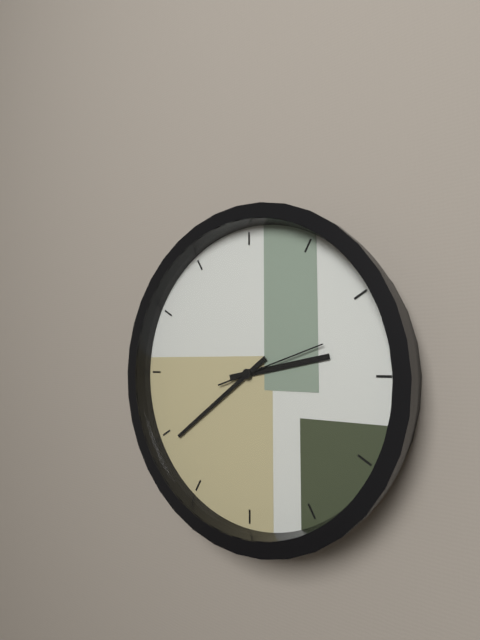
2:39:12
